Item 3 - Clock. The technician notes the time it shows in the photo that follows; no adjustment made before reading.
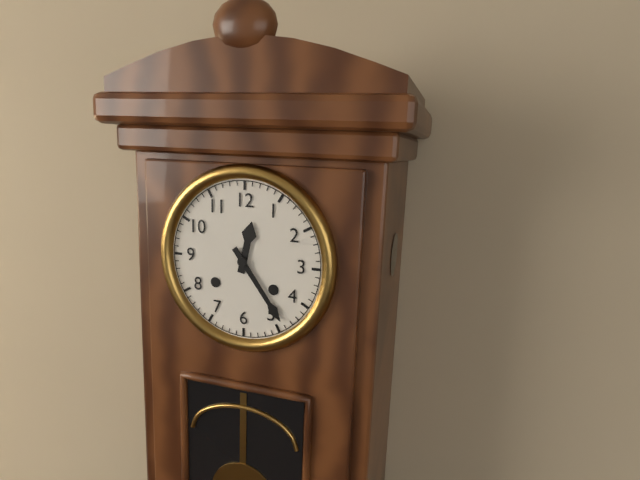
12:24
